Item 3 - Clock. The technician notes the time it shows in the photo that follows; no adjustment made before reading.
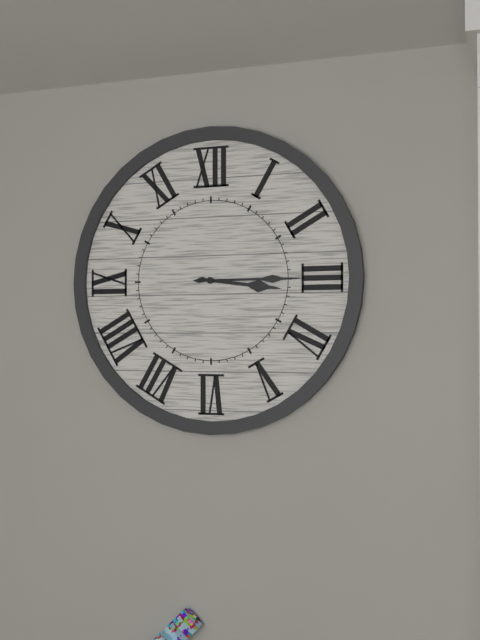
3:15
